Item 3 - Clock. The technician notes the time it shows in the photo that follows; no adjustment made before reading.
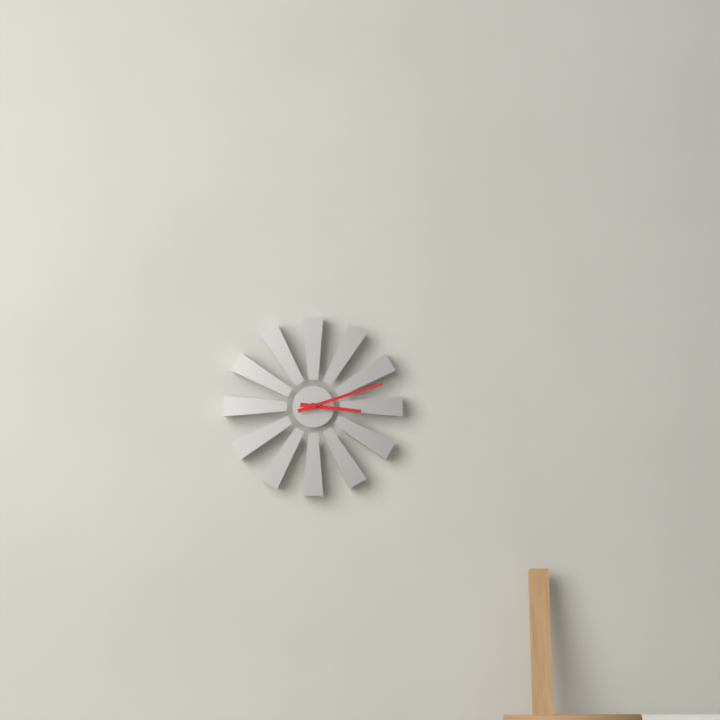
3:12
